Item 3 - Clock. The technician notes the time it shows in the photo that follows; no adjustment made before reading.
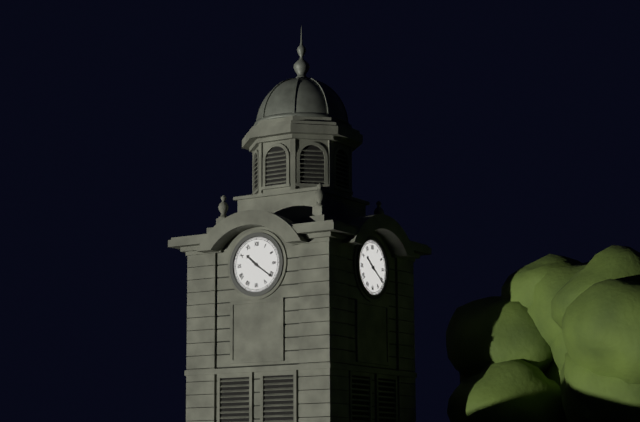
10:21
